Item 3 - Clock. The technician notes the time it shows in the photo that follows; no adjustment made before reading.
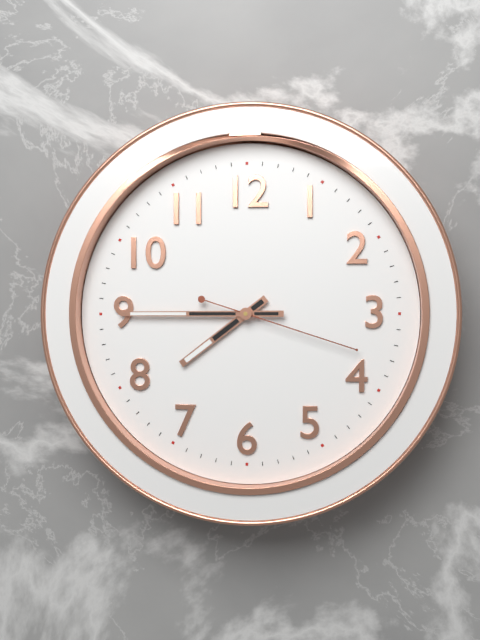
7:45:18
